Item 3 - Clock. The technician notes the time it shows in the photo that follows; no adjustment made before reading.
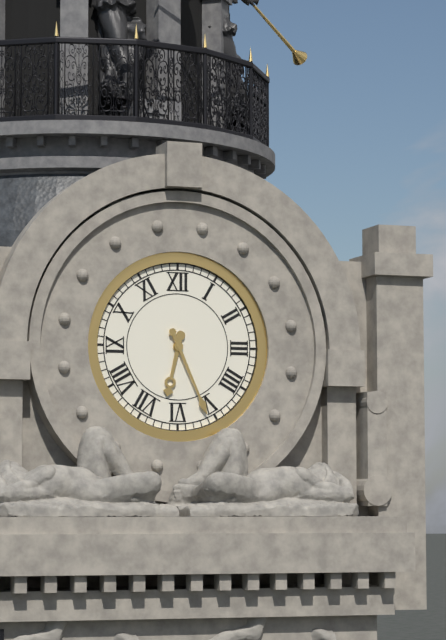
6:26
